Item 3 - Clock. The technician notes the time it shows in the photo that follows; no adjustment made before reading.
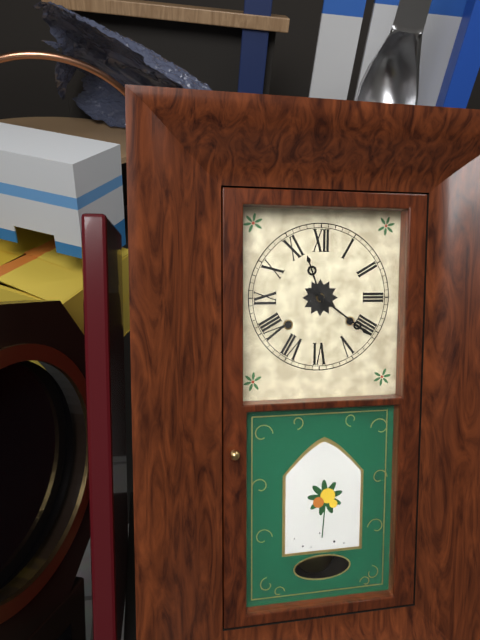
11:21
